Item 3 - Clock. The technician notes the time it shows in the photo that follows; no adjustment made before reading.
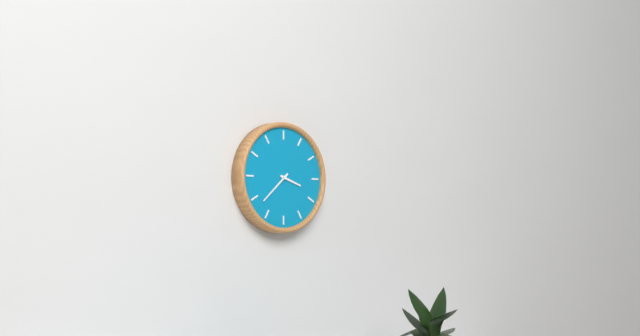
3:38
